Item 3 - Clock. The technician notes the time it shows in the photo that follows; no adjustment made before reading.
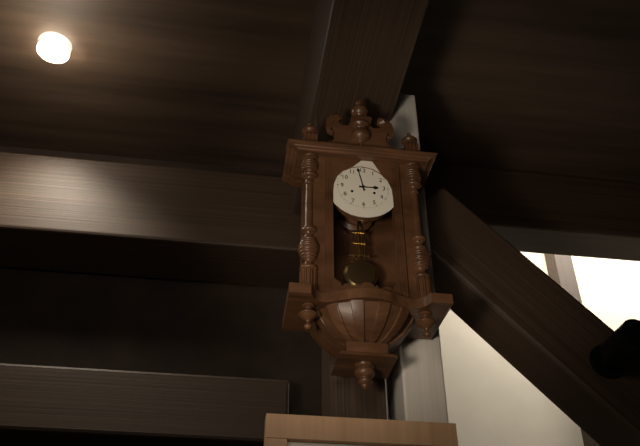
2:58
